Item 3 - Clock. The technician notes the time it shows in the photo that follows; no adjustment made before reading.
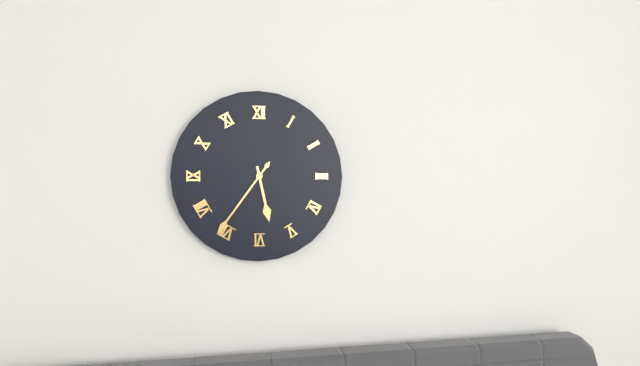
5:36
